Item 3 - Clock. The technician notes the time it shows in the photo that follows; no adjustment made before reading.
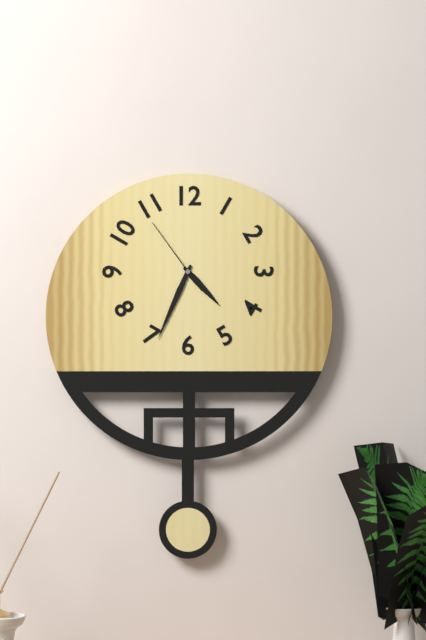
4:34:54
